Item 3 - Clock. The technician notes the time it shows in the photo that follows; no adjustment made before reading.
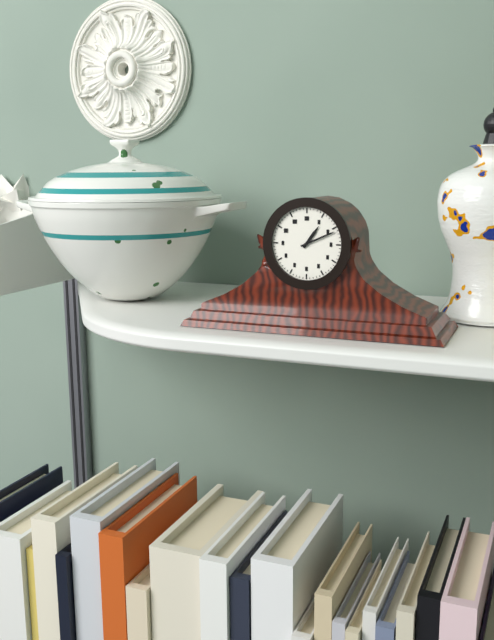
1:11
